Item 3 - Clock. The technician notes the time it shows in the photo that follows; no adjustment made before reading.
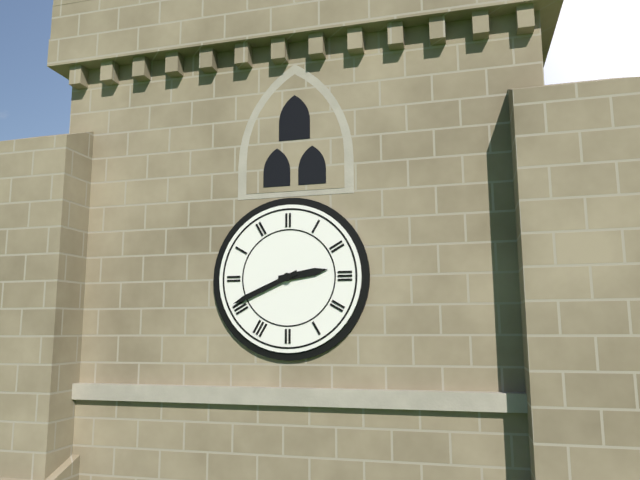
2:41
